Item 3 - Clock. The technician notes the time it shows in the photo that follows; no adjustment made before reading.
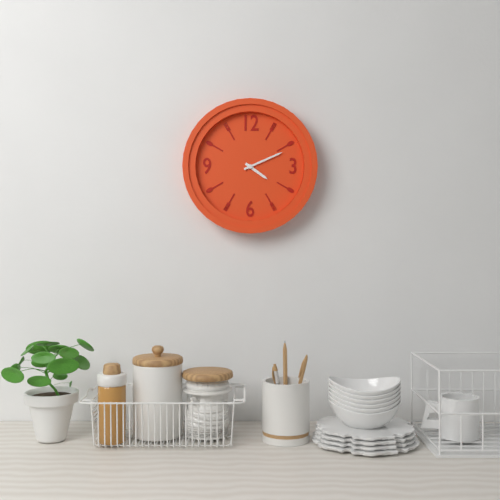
4:11
